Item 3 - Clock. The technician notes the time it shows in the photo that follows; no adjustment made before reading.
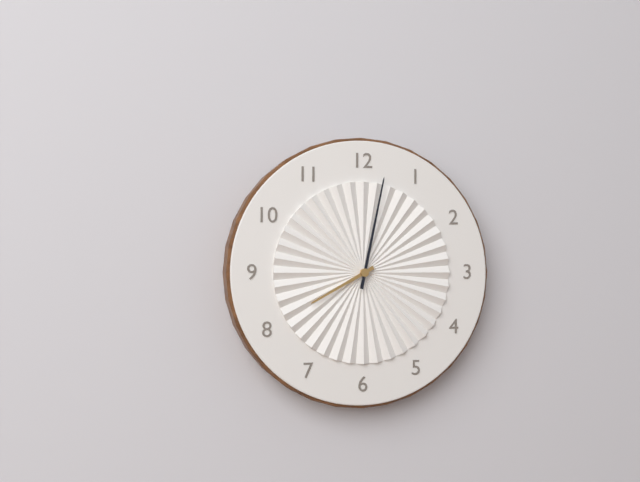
8:02
